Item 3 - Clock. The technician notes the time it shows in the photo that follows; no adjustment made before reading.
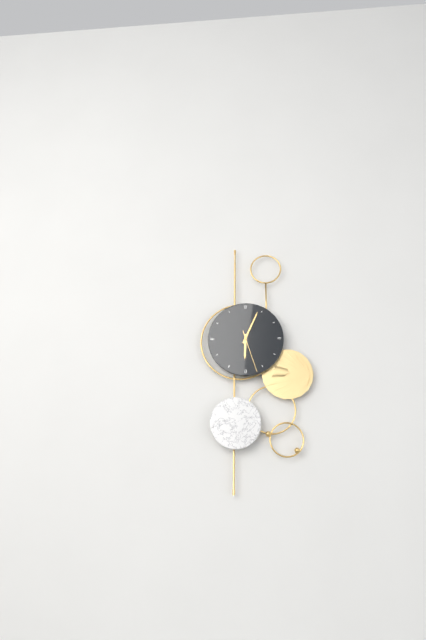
6:04
